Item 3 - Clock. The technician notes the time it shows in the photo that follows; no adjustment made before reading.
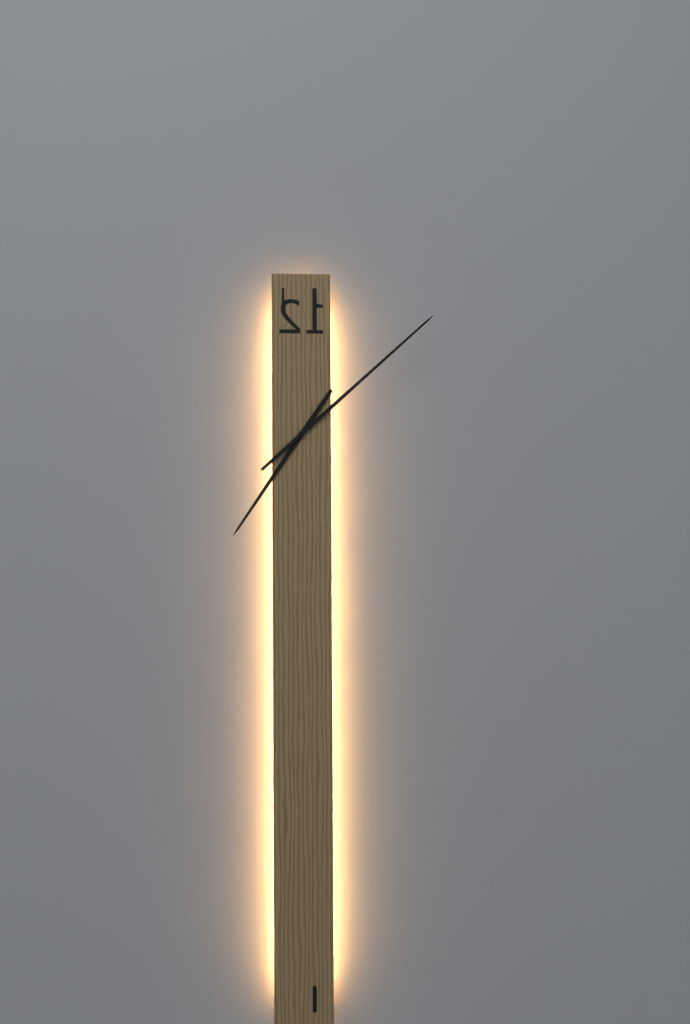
7:08
